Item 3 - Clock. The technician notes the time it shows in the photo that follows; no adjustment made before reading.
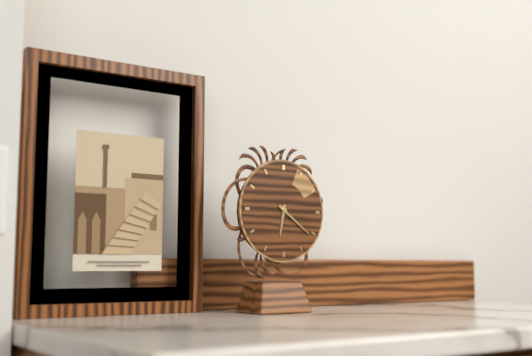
6:21
